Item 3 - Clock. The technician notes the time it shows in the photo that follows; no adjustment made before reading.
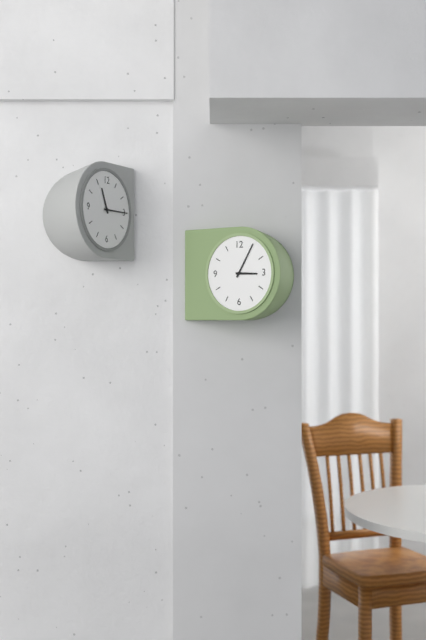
3:05
